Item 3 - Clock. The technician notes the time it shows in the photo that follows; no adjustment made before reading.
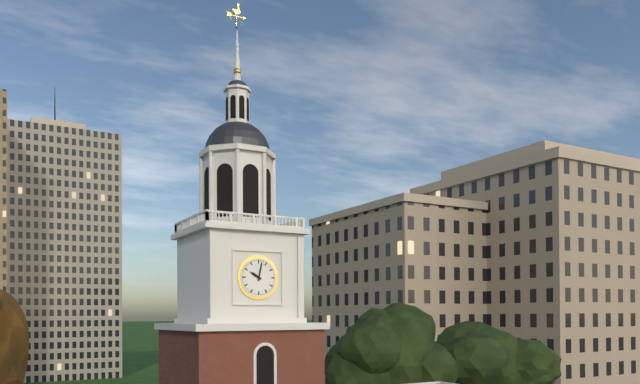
10:02
